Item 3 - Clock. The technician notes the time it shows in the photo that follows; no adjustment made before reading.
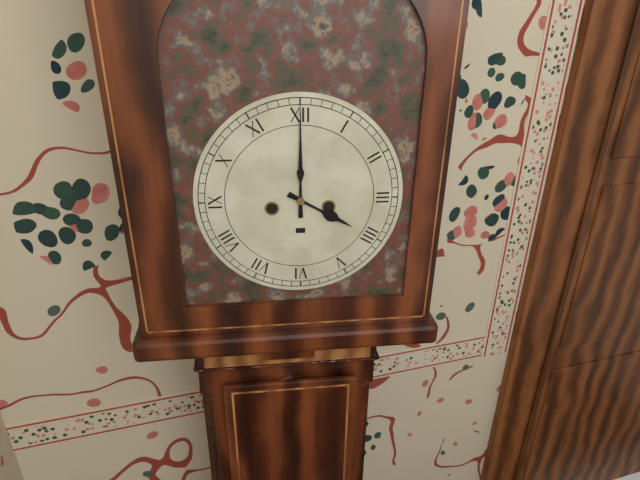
4:00
